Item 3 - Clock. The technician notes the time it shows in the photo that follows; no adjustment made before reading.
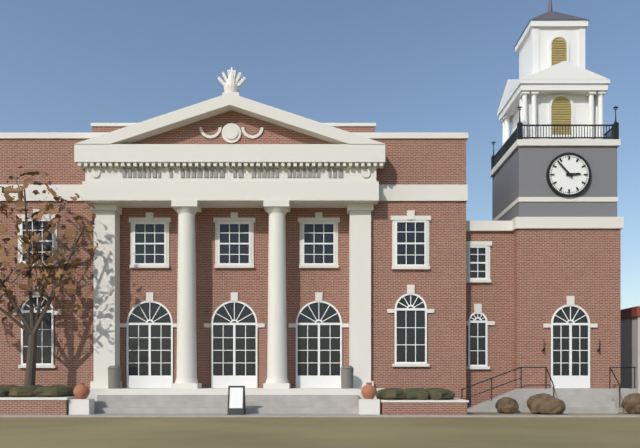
2:53
